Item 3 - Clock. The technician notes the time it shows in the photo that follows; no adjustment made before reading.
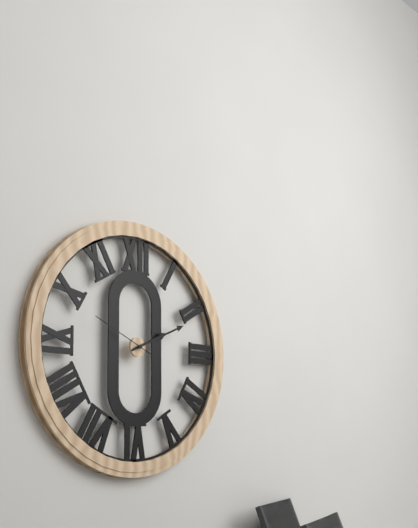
2:11:49
